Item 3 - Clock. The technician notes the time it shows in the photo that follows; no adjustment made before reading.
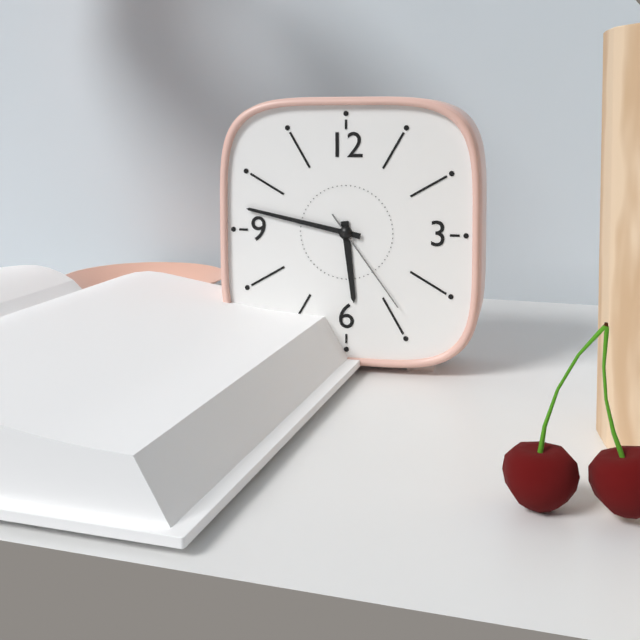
5:47:24
